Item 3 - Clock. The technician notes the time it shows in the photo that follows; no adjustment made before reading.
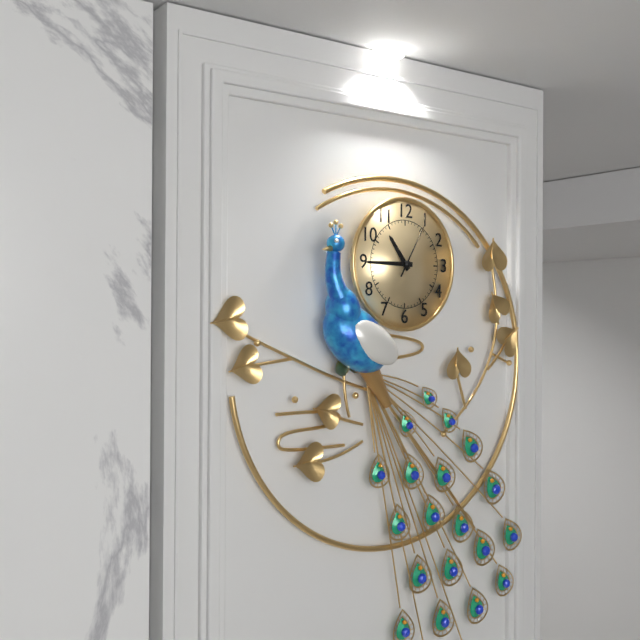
10:45:05
